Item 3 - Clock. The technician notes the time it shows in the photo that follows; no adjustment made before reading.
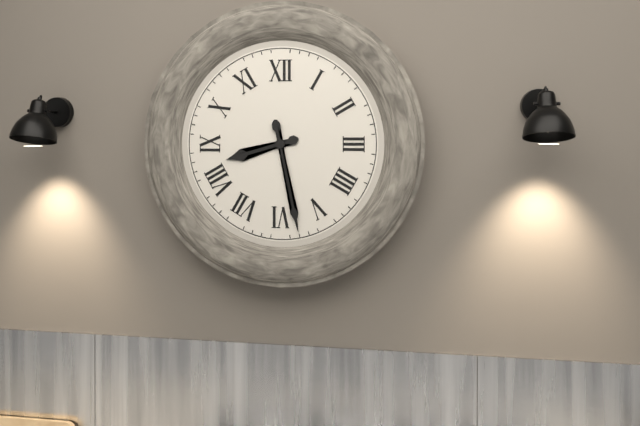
8:28
